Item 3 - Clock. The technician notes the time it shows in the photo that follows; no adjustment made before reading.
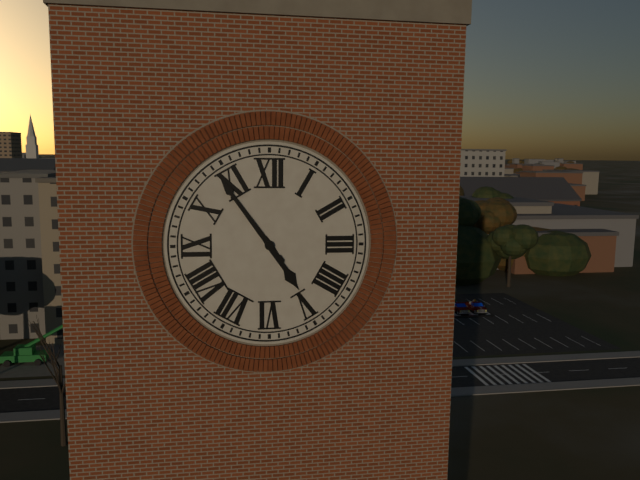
4:54
